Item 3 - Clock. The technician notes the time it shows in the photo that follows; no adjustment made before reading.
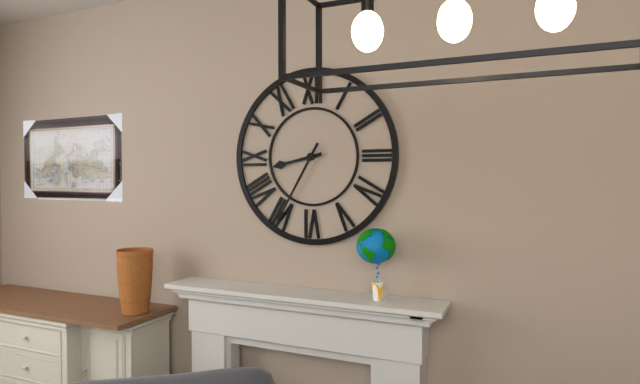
8:35
